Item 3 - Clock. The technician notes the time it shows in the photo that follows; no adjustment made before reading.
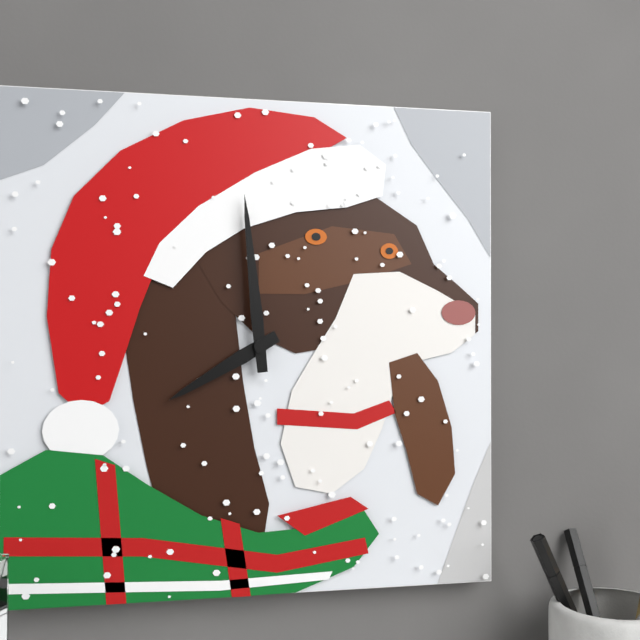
7:59
